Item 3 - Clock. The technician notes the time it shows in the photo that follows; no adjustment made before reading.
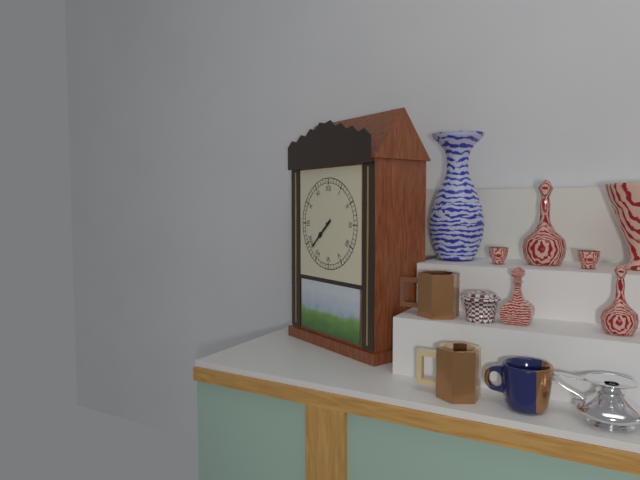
7:38
